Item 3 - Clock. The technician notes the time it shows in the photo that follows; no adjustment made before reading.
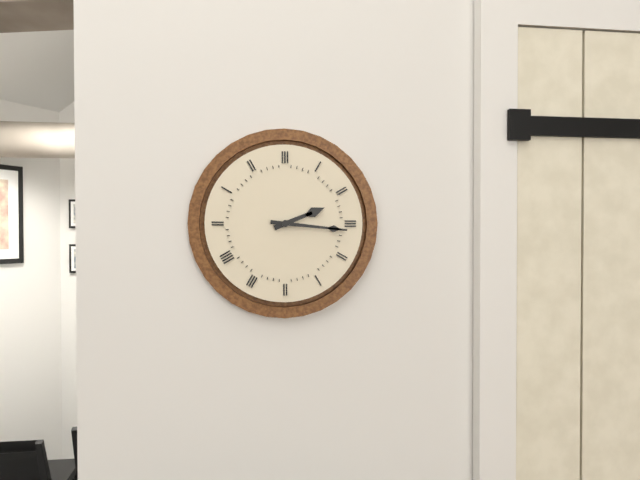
2:16
